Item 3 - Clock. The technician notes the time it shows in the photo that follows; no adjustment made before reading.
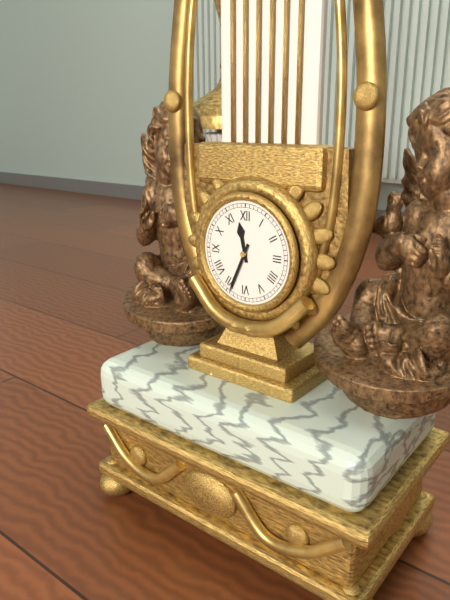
11:34
